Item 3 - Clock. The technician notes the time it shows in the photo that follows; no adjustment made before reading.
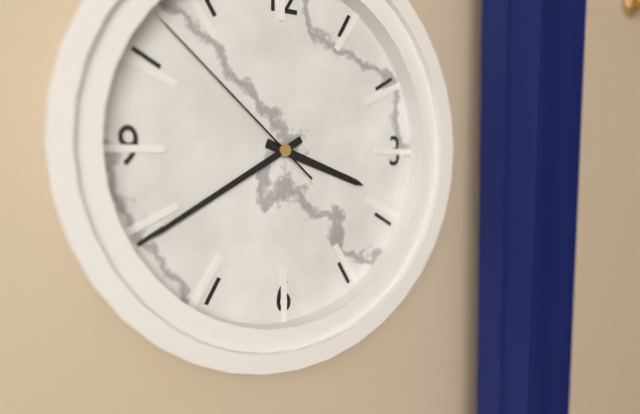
3:40:52
